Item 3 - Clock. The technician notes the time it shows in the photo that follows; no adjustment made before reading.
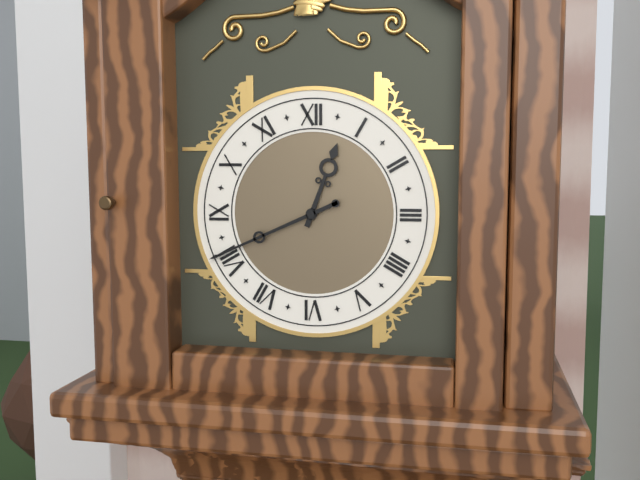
12:41
